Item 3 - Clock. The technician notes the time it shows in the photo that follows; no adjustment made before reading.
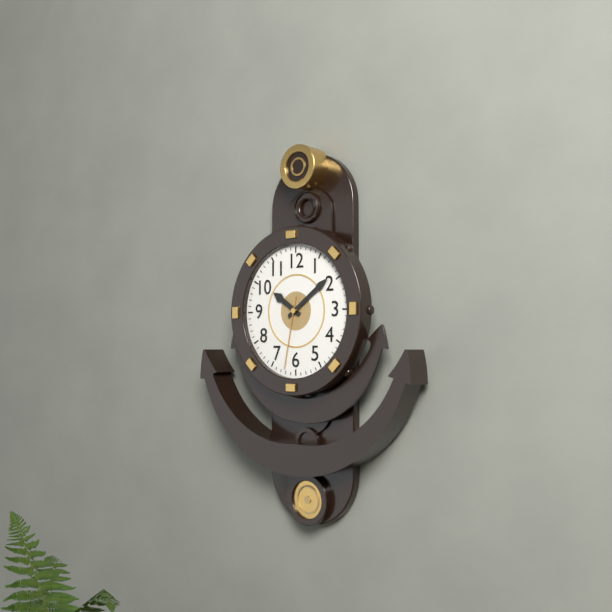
10:09:32
